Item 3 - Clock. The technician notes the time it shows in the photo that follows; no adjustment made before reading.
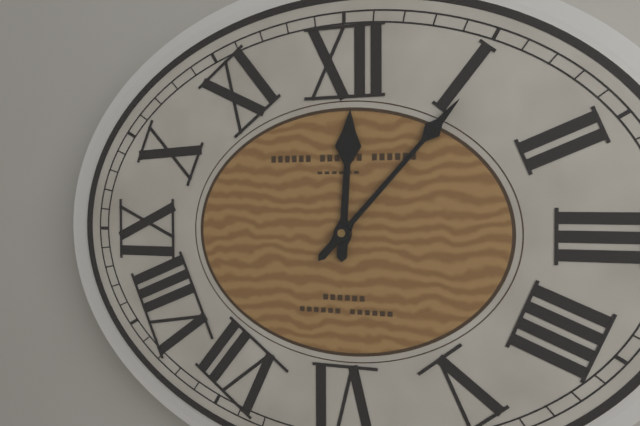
12:07
